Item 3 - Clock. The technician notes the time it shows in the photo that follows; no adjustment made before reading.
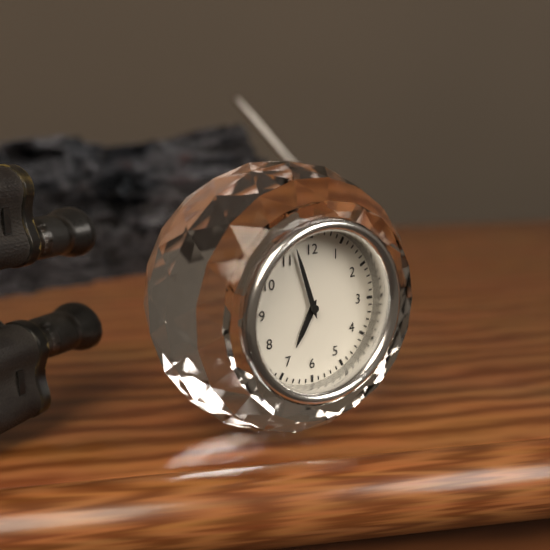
6:57
